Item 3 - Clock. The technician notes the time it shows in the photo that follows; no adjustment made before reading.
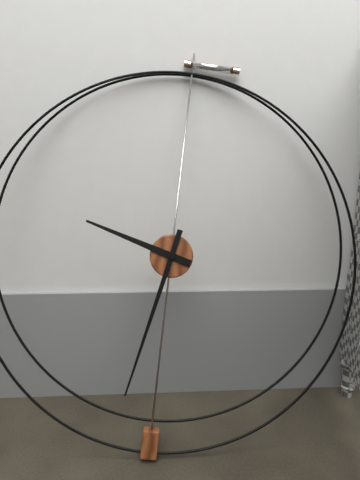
9:32
